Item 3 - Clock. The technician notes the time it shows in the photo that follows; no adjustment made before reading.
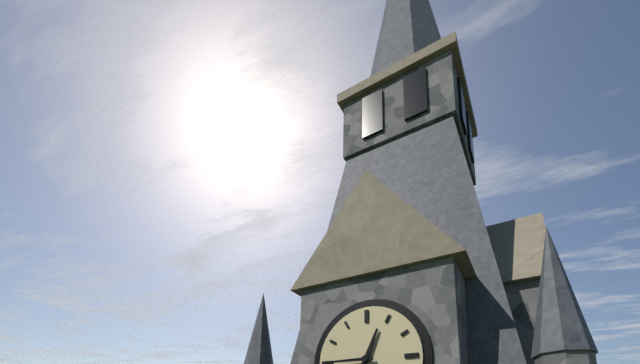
12:45
